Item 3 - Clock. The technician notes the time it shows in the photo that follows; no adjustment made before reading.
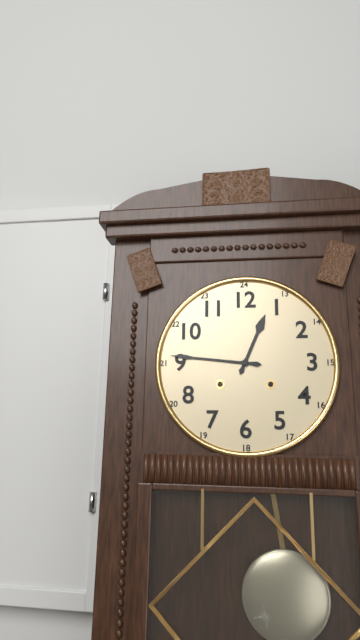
12:46
